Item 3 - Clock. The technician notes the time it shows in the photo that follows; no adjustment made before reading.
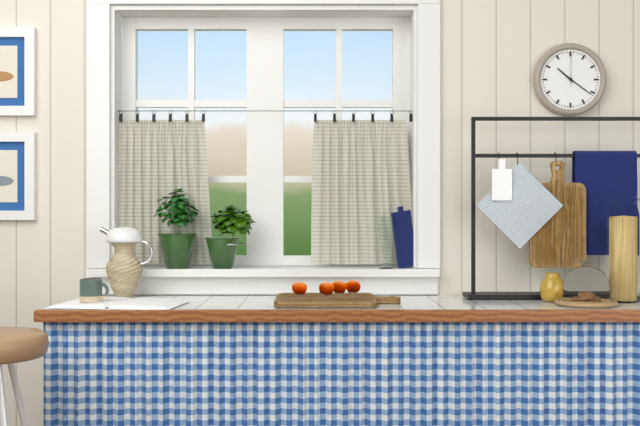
10:21
